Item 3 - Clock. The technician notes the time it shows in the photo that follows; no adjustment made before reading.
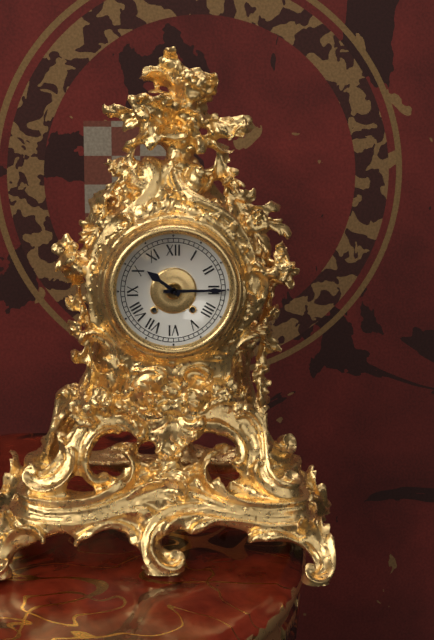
10:15
